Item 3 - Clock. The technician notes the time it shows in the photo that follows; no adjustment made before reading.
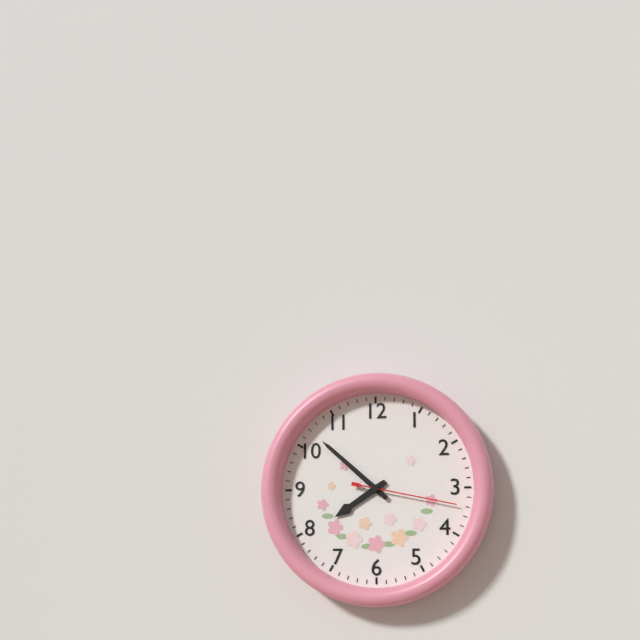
7:52:17
